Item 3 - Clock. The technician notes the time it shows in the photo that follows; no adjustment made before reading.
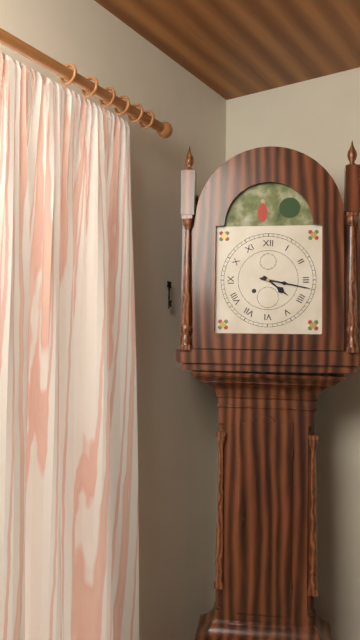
4:17
